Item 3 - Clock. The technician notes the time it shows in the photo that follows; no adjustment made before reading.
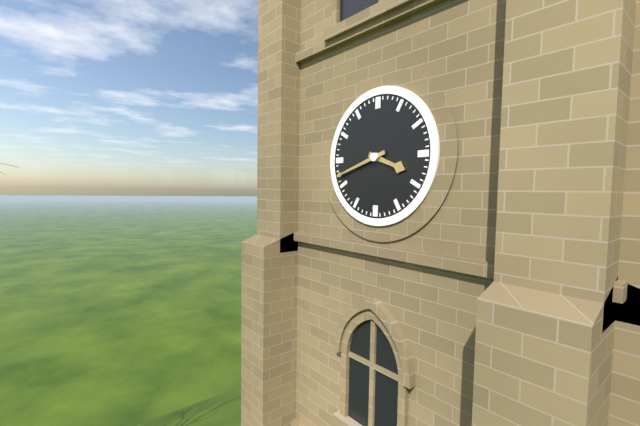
3:42
